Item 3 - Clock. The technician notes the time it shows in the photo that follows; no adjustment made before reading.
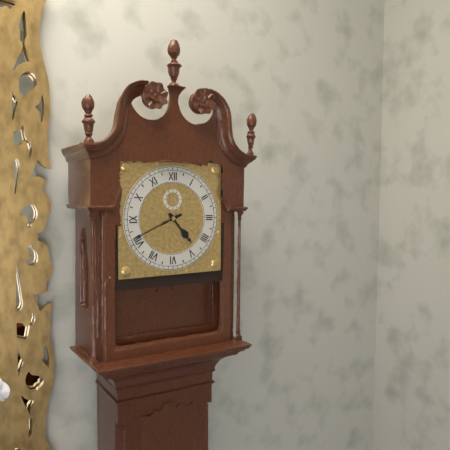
4:41
